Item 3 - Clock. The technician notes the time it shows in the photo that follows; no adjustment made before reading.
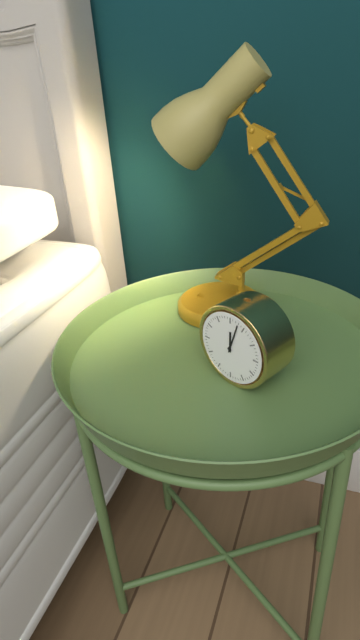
12:03
